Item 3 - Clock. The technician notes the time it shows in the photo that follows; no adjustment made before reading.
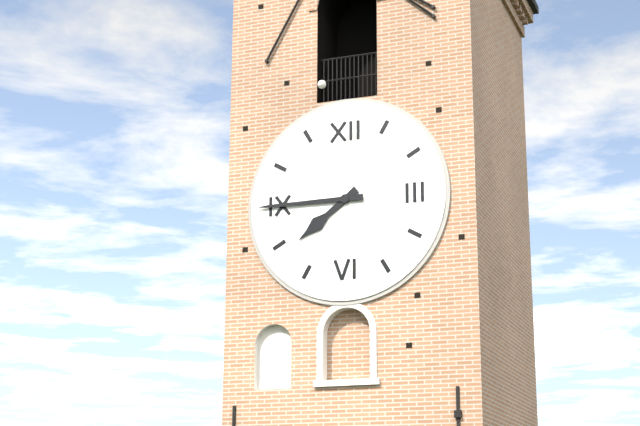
7:45
